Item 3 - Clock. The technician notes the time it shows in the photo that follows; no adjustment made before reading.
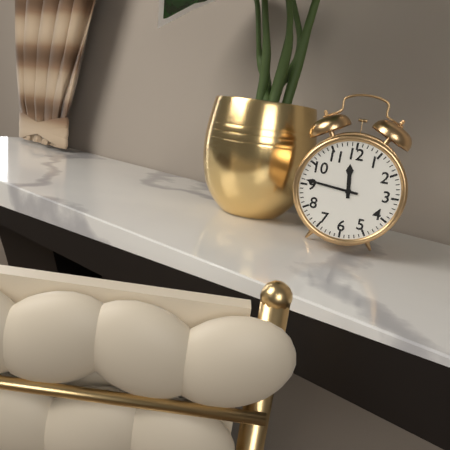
11:46
